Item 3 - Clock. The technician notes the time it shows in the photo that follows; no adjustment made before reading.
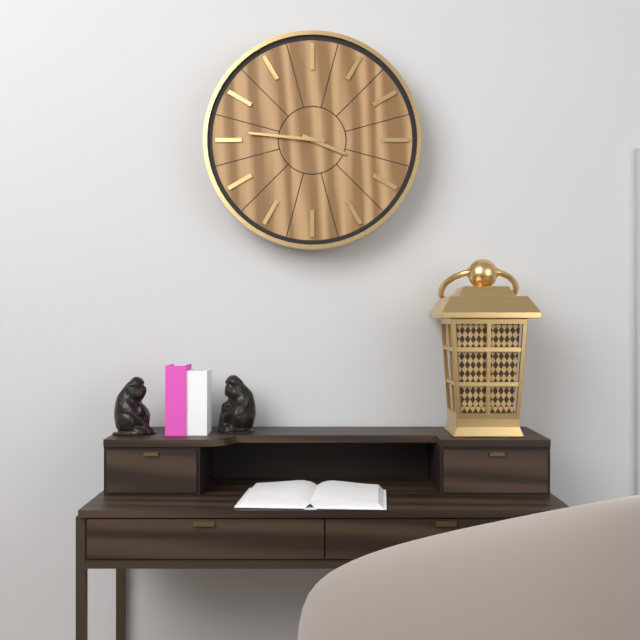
3:46
